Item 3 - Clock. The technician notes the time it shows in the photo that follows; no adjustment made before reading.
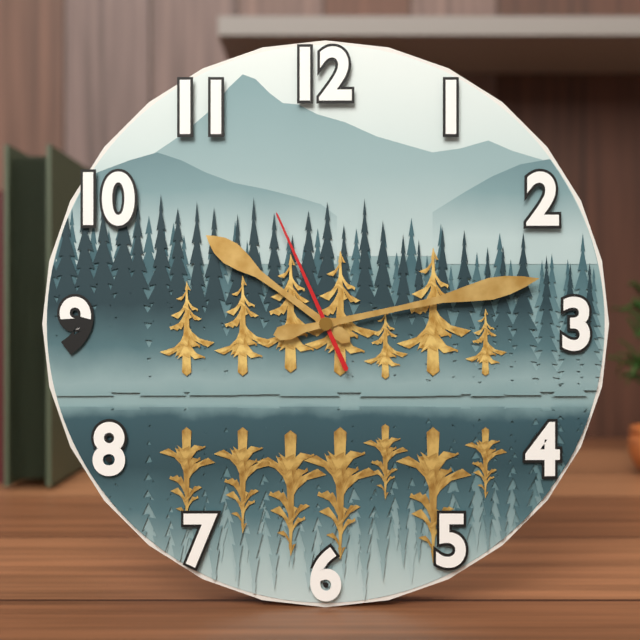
10:13:56
